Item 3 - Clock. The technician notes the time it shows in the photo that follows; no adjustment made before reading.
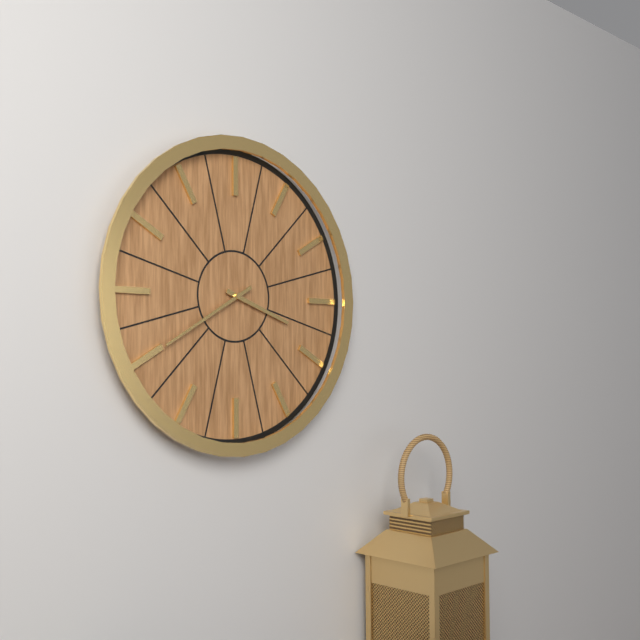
3:40
